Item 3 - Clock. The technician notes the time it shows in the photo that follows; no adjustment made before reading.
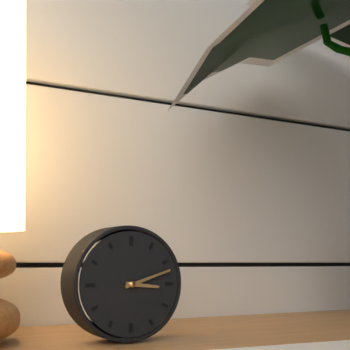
3:12
